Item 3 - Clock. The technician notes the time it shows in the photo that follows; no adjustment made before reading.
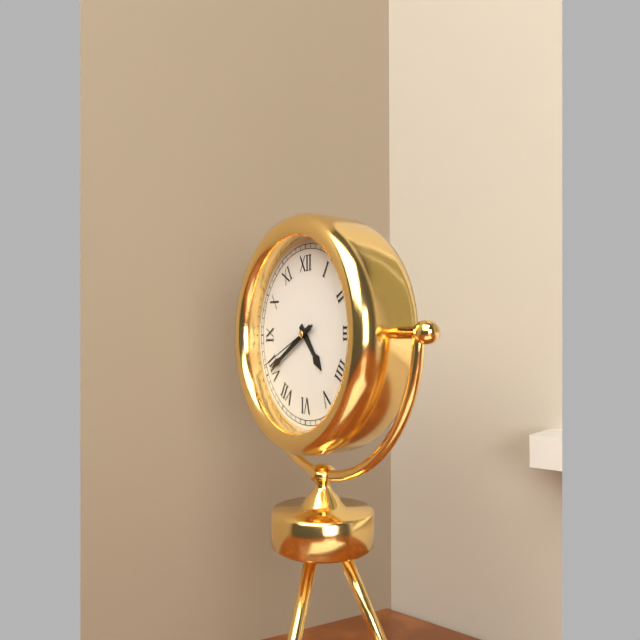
4:40:41
